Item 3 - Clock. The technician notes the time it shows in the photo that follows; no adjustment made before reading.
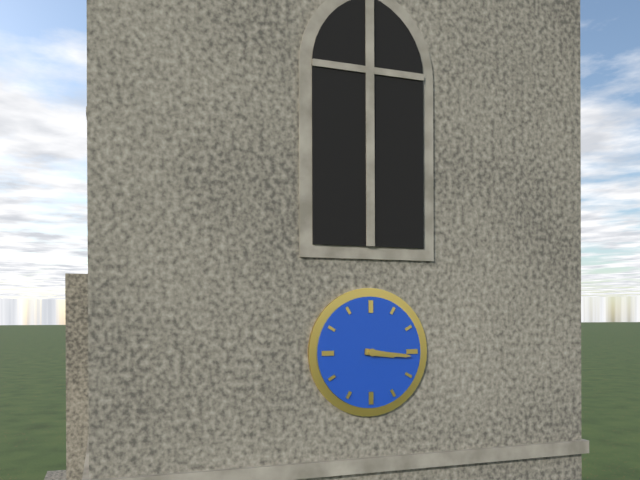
3:16
